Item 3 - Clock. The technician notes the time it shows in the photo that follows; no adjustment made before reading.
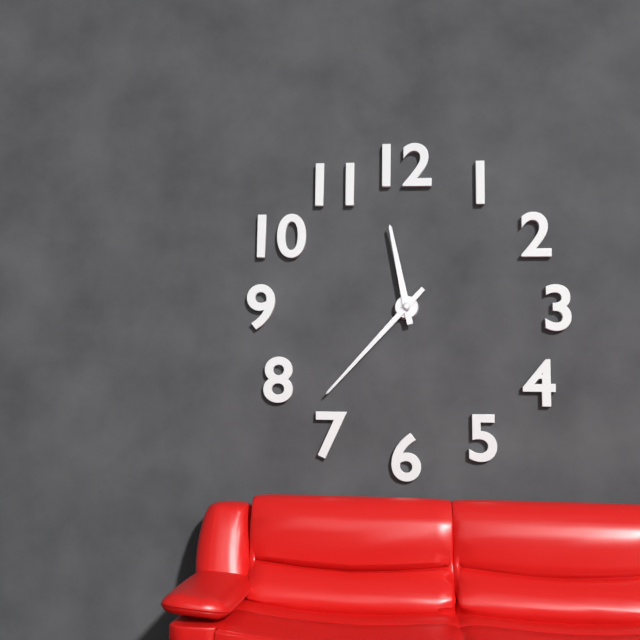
11:37
